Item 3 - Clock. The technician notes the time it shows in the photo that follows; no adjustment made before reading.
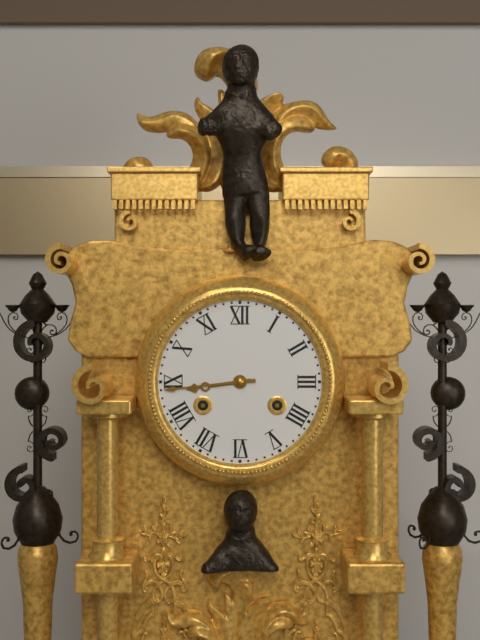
8:44
